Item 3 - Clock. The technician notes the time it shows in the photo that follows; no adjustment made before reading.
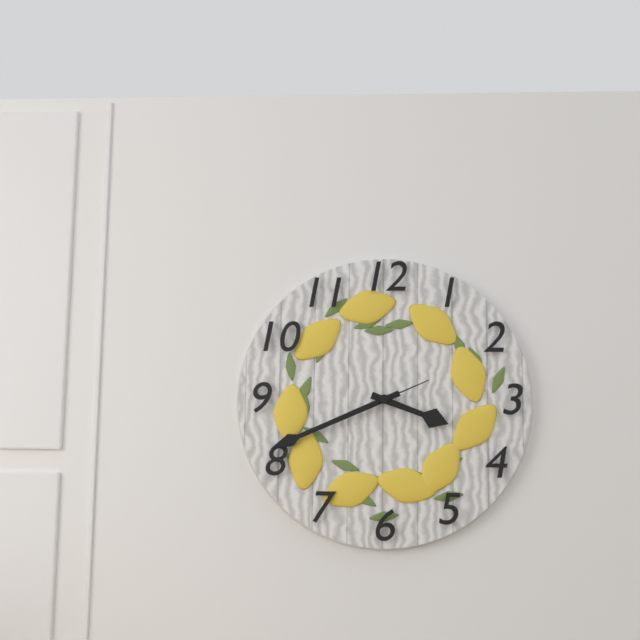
3:41:11
